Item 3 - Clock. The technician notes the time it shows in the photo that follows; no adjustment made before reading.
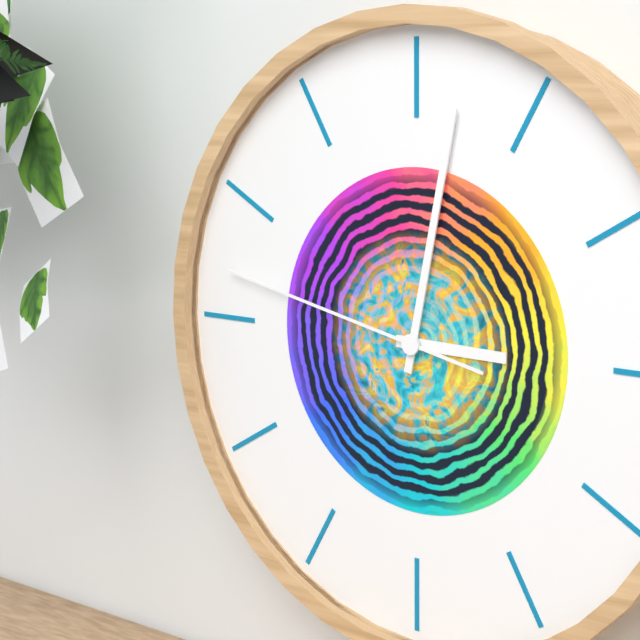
3:02:47
